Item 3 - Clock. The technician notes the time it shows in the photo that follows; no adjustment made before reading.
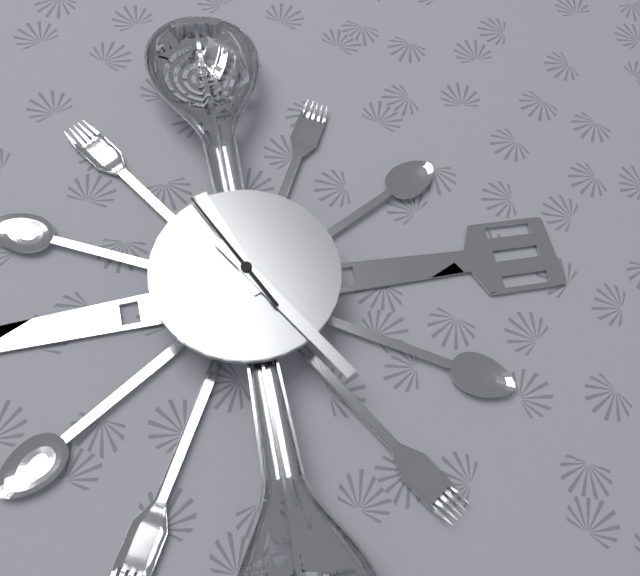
11:25:56
